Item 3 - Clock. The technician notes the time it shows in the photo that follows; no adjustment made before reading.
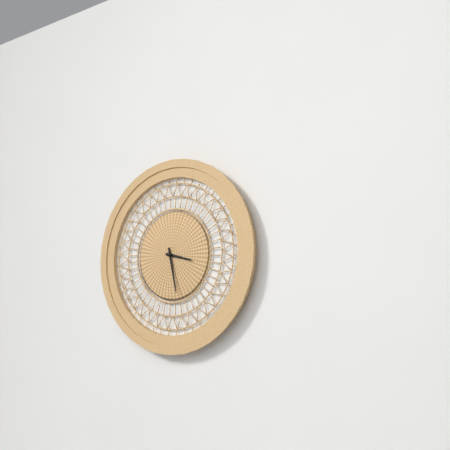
3:28
